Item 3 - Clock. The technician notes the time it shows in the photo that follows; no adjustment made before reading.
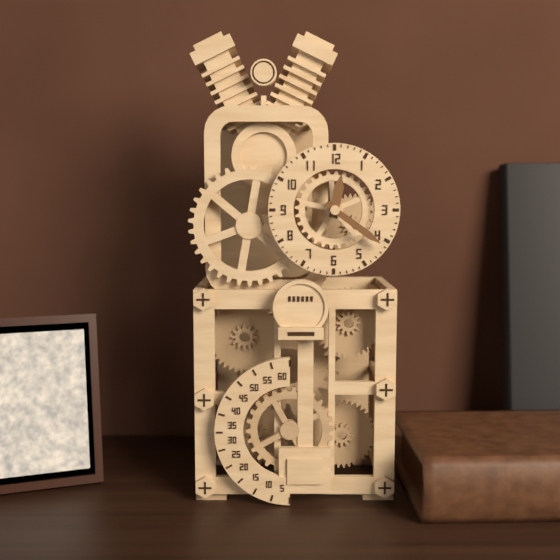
12:21
